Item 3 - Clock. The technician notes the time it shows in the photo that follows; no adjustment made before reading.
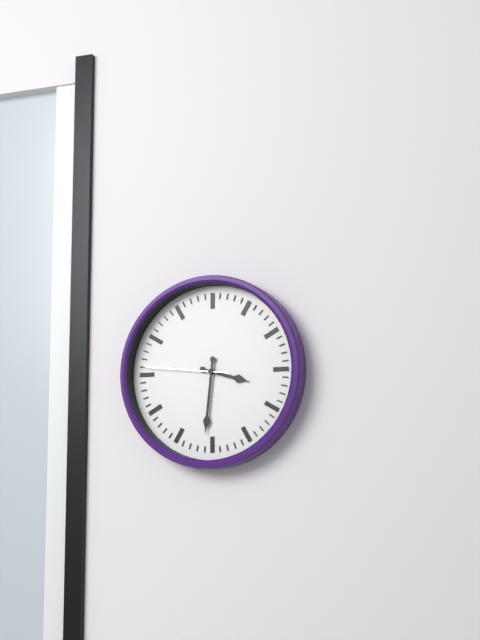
3:31:46
